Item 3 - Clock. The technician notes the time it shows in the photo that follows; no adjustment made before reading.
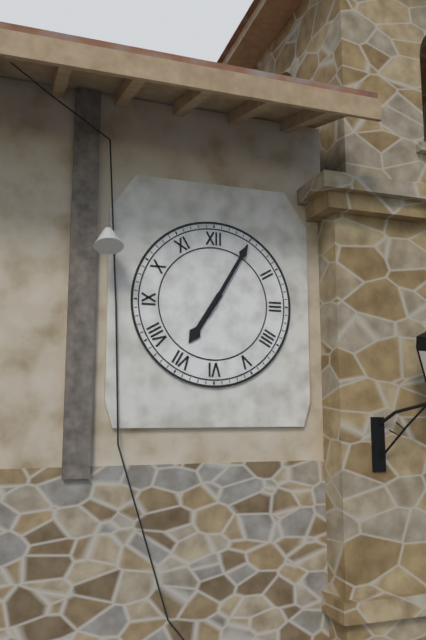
7:05
